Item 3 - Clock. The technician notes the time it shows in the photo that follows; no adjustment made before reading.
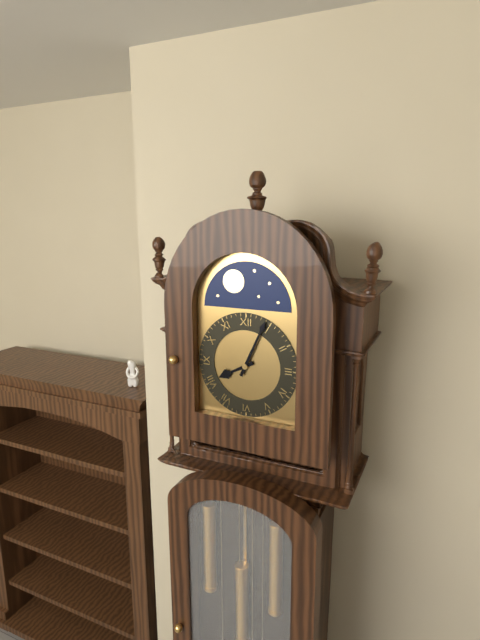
8:04
